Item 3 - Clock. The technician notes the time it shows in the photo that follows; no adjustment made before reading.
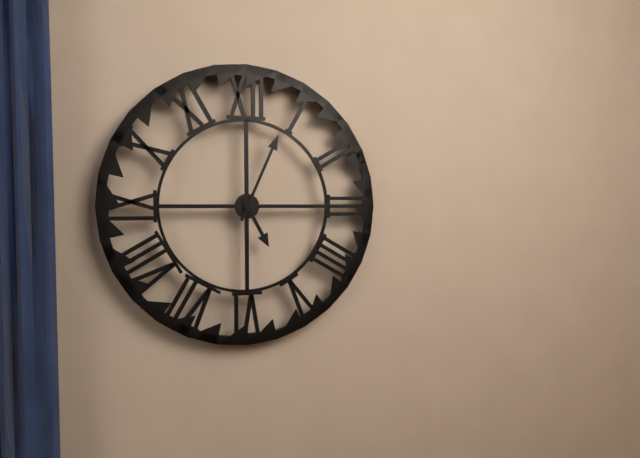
5:04
